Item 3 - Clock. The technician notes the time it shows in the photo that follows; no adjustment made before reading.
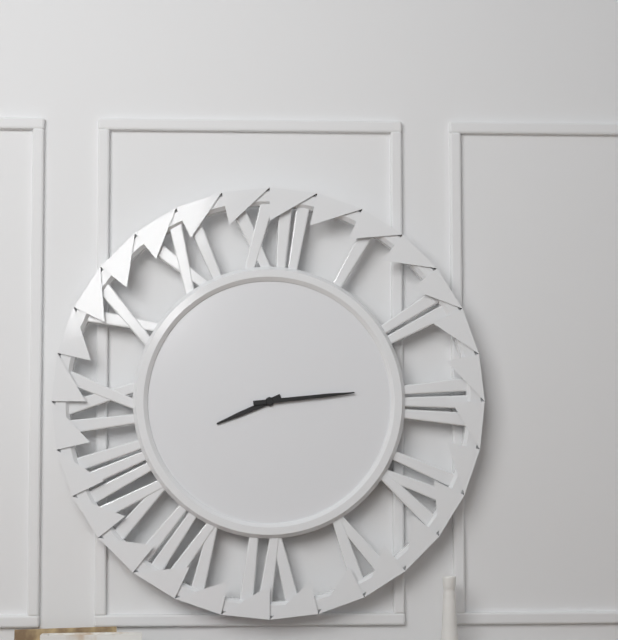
8:14
